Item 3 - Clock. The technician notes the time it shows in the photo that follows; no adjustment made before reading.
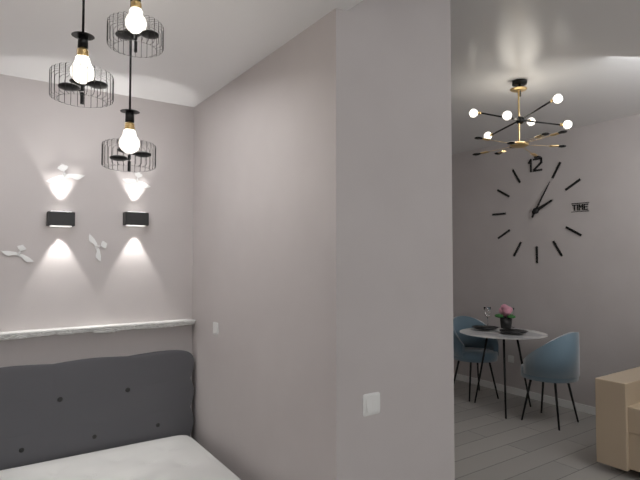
2:05
